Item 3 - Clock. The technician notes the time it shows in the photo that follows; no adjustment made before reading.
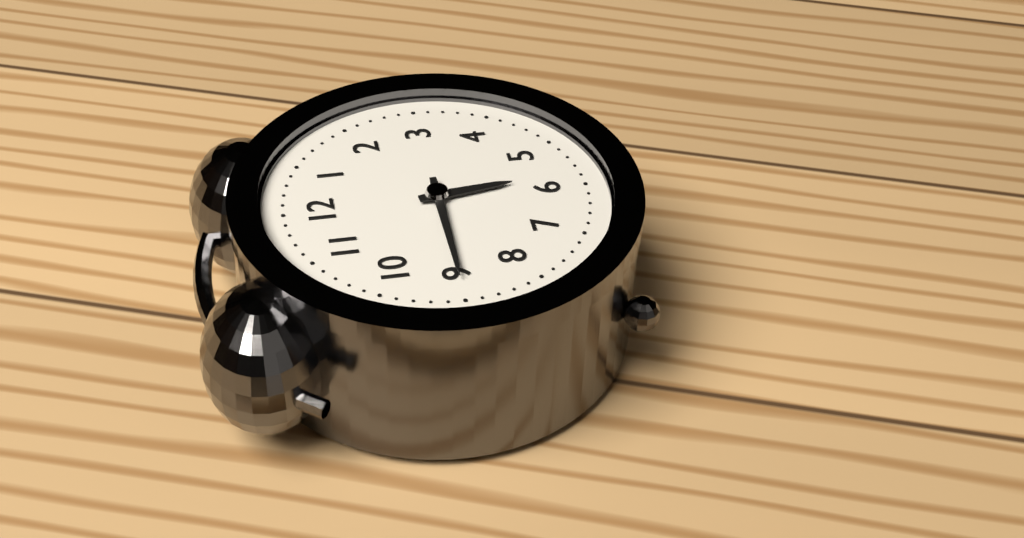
5:45
